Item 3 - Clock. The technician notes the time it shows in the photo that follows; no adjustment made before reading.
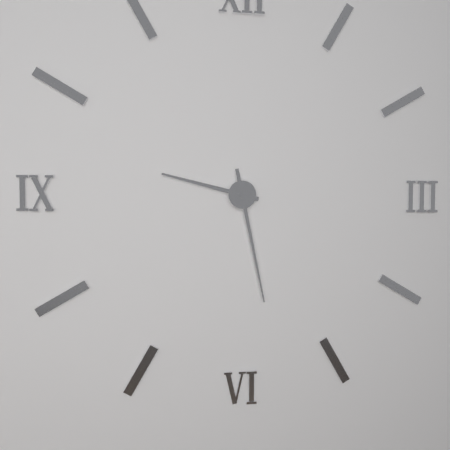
9:28
